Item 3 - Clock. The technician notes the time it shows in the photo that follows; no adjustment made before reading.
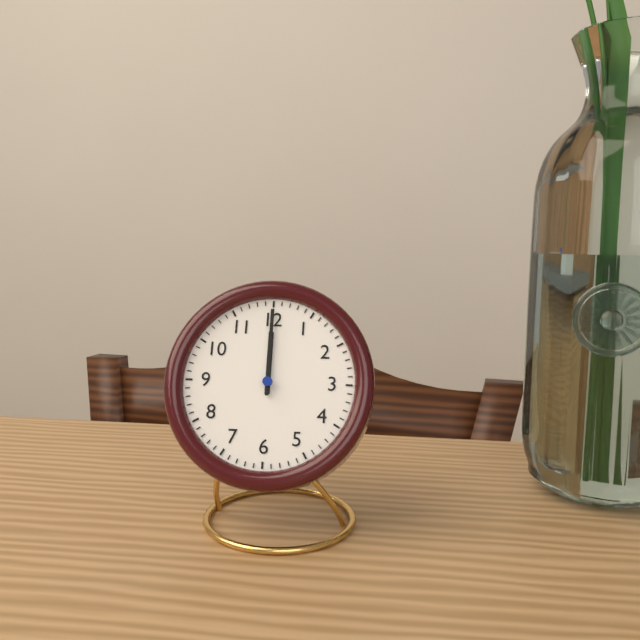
12:00
